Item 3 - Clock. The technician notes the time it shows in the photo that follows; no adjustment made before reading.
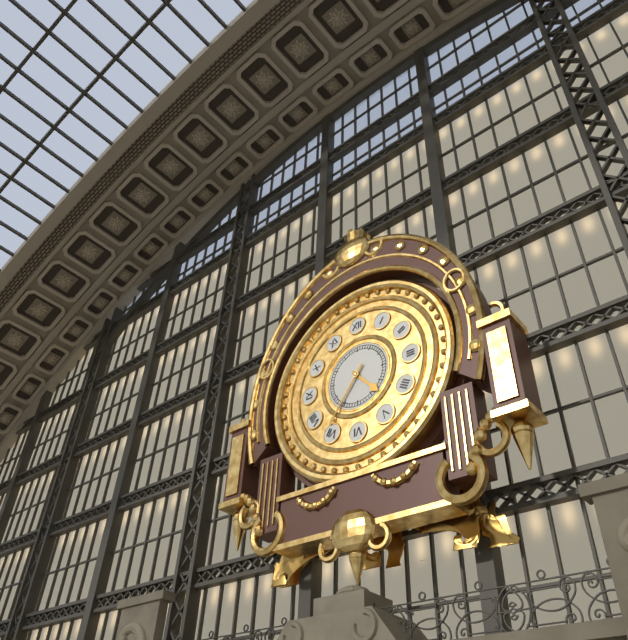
4:36
